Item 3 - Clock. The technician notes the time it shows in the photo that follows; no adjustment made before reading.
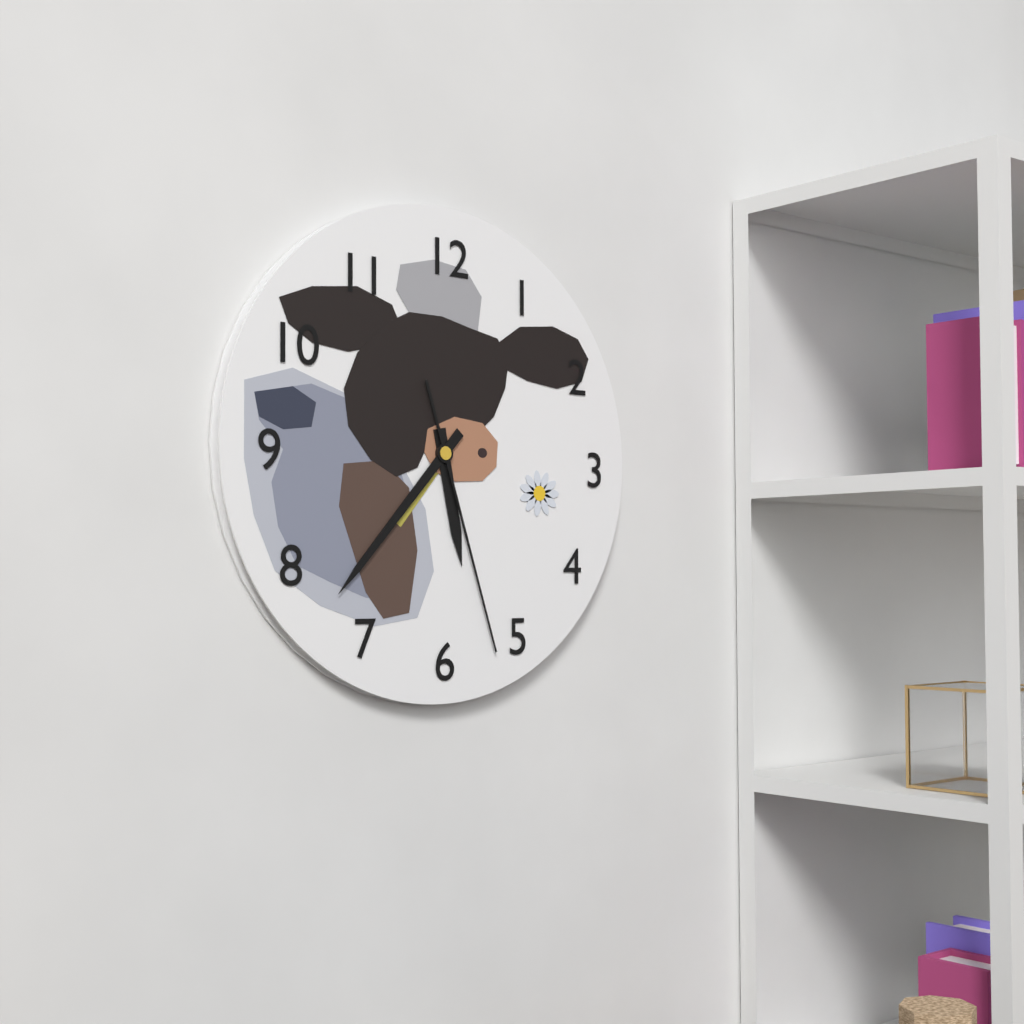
5:37:27
